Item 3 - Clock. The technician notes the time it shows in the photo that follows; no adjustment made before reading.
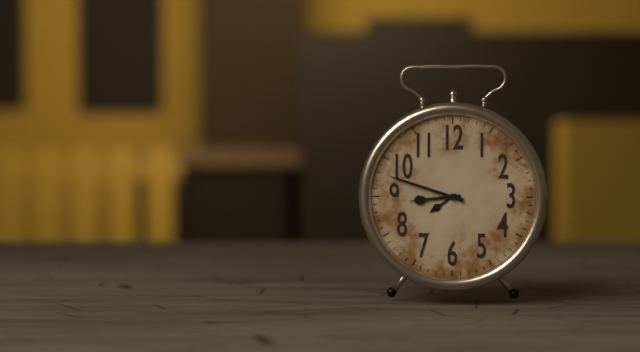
8:48
